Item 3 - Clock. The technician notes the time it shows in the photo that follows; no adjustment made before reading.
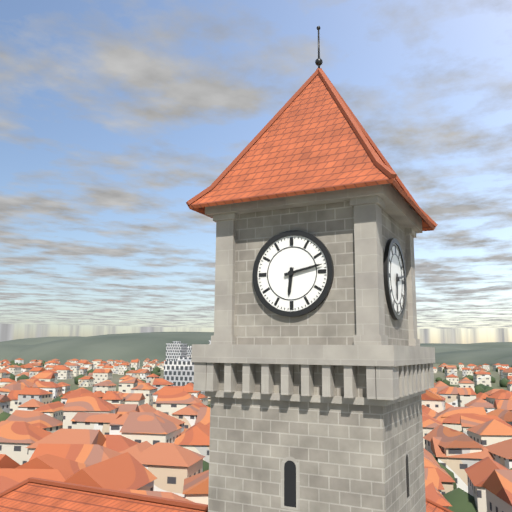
6:13
